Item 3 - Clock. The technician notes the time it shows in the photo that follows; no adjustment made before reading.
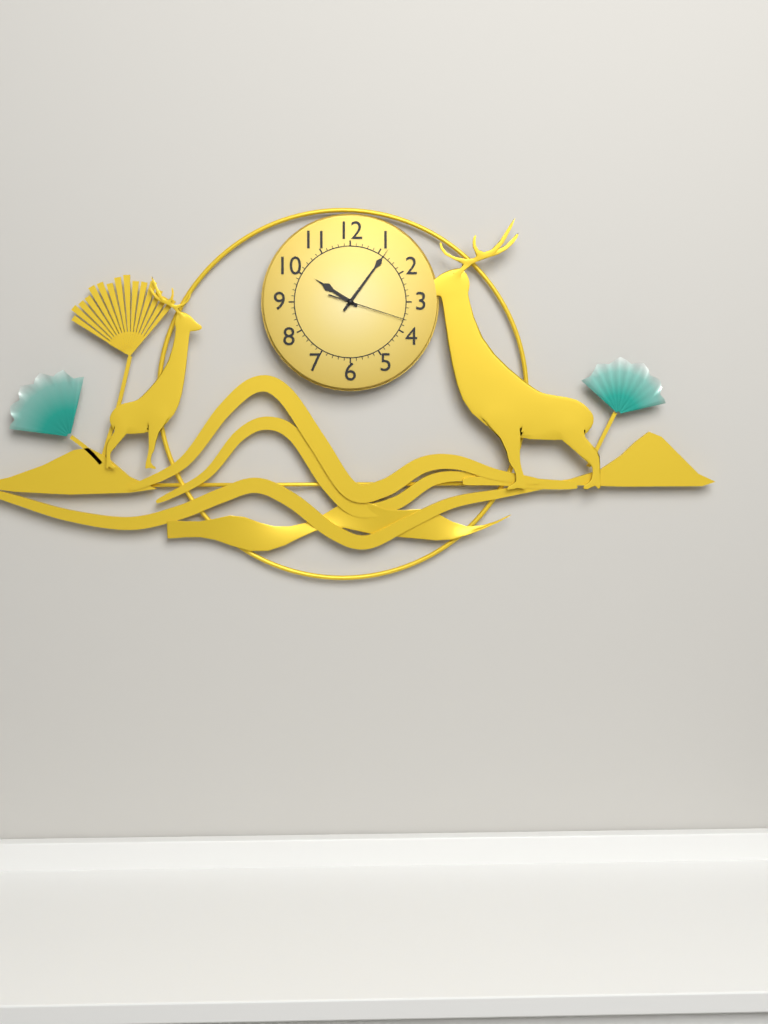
10:06:18
